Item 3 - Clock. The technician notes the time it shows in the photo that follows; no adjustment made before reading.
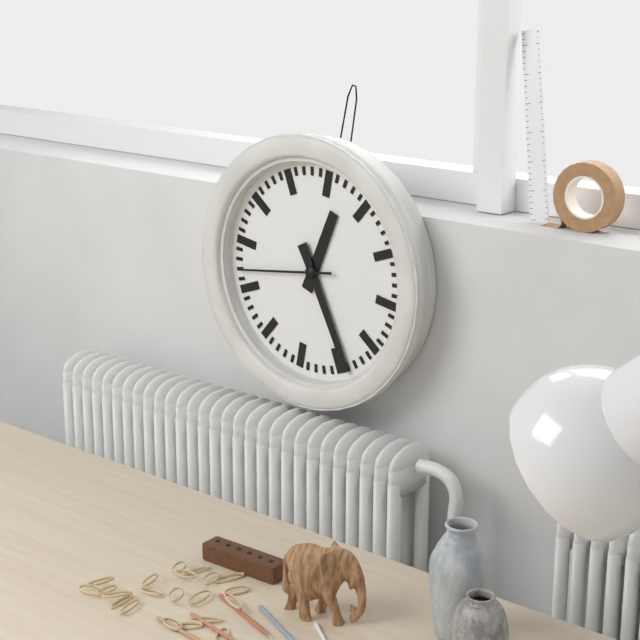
12:24:42
